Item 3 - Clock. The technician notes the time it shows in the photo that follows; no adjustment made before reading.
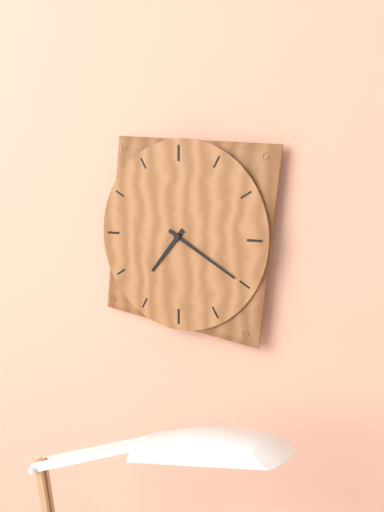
7:20
